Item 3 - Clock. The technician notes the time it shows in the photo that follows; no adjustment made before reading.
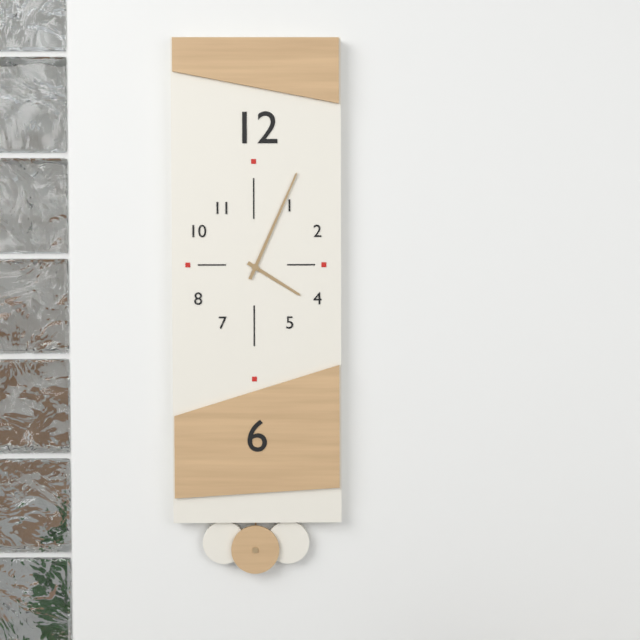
4:04
